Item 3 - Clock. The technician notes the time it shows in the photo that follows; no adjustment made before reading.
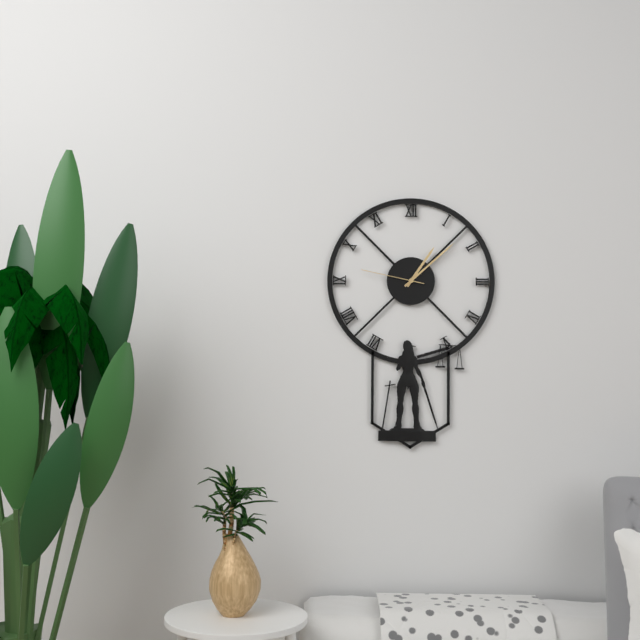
1:08:47
